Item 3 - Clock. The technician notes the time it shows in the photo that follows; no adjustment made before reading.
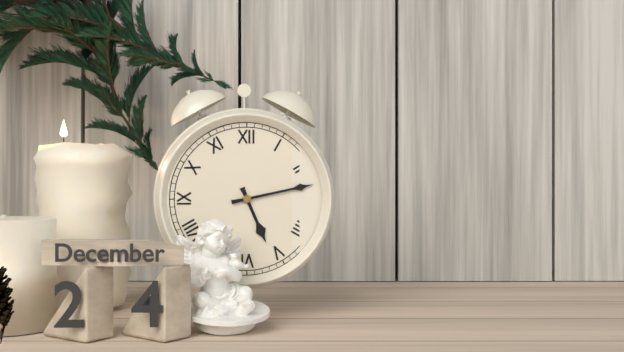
5:13
